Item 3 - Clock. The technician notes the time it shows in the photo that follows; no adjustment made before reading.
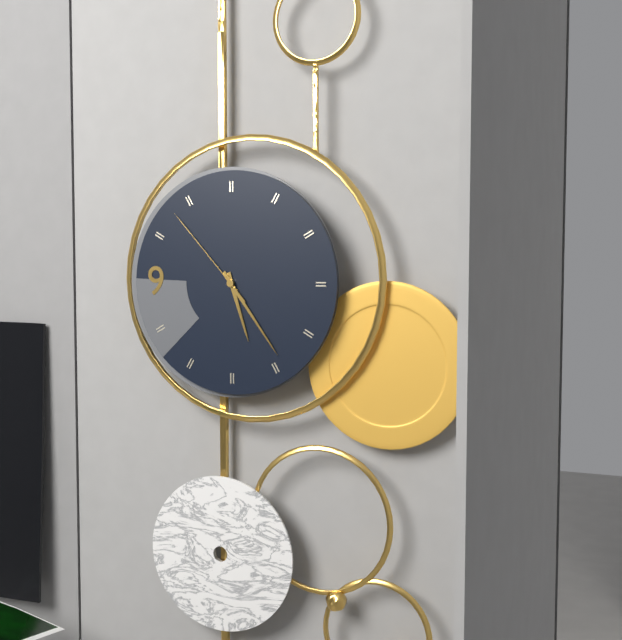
5:24:53
